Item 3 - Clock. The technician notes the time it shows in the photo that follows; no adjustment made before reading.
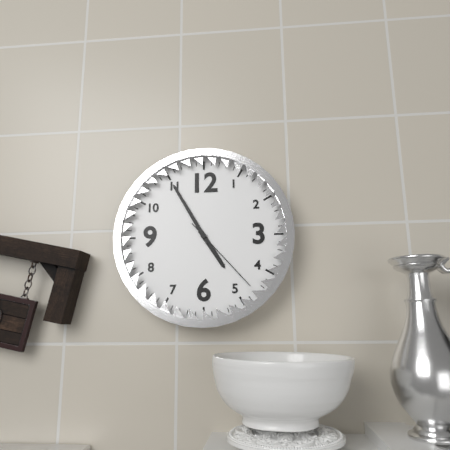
4:55:23
